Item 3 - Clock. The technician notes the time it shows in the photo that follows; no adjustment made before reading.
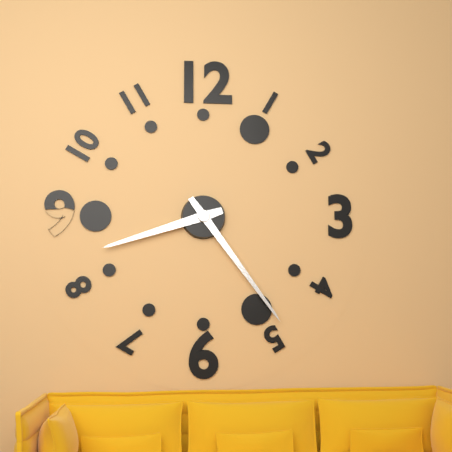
8:24
